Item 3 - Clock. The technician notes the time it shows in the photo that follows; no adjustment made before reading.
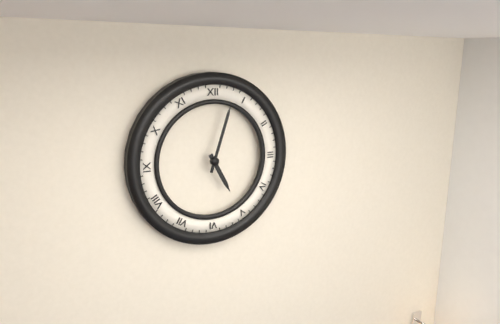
5:03
